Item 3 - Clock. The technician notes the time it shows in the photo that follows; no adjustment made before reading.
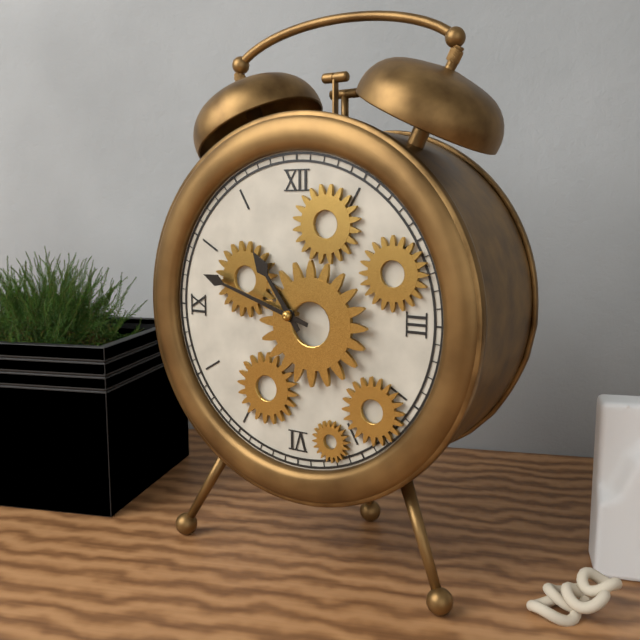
10:48
